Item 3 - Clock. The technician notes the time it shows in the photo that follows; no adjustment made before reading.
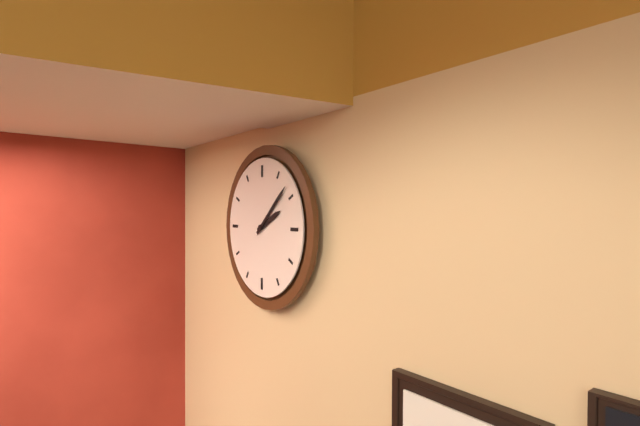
2:08
